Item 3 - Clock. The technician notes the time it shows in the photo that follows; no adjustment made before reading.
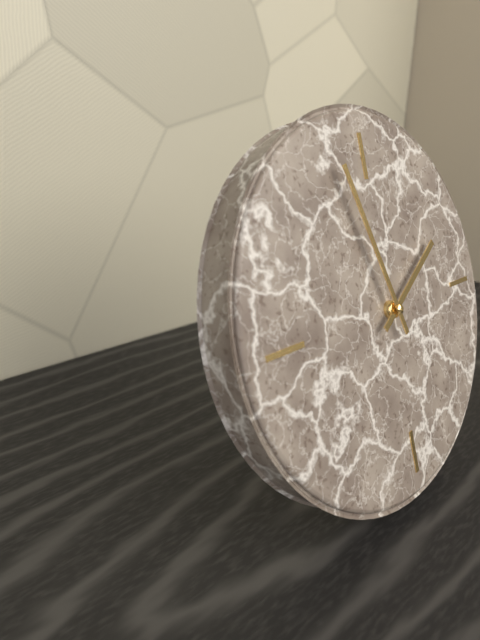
1:57
